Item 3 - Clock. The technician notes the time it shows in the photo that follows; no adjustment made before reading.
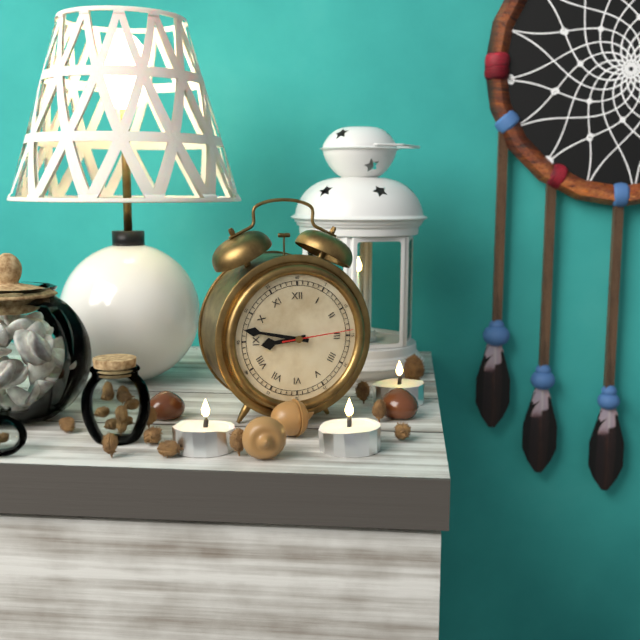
8:47:14
